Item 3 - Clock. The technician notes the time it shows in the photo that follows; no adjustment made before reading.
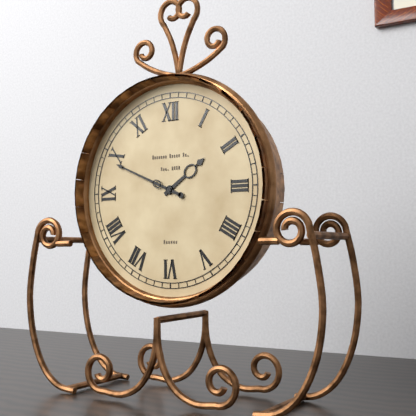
1:49
